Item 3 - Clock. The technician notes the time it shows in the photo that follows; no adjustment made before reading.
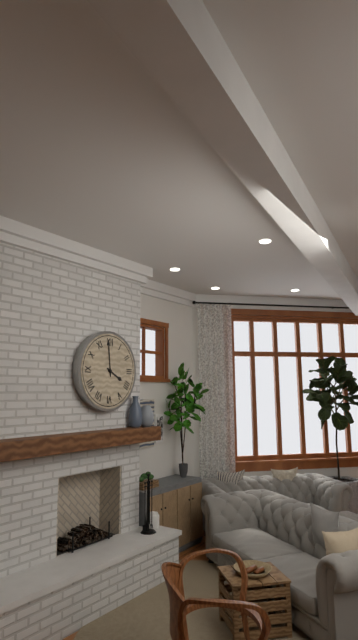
3:59
